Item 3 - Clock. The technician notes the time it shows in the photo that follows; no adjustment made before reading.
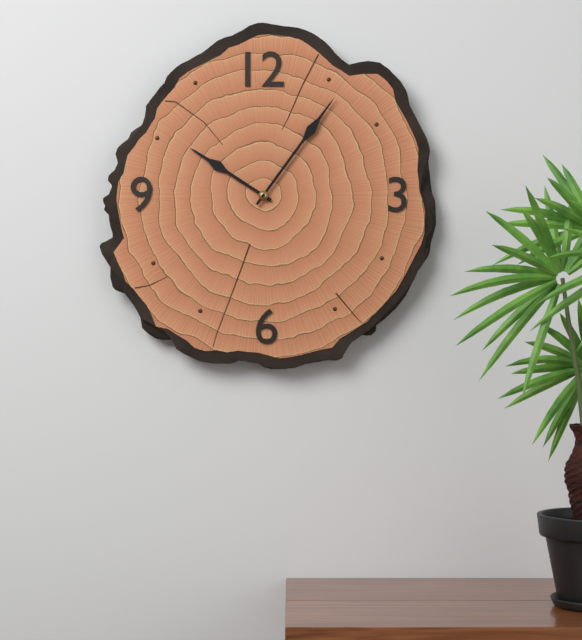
10:06
